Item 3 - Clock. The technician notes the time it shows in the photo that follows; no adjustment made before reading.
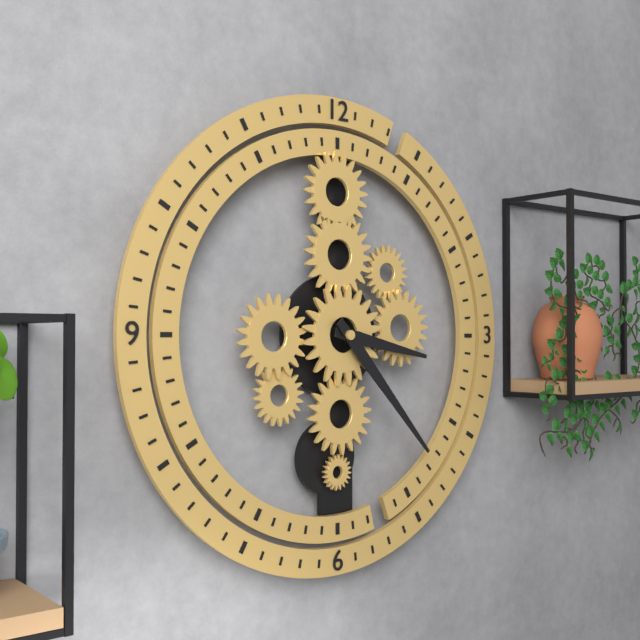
3:23
